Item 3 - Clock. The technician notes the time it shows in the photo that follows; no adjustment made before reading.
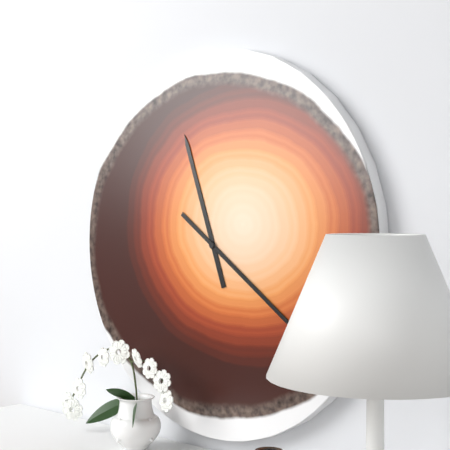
11:21
